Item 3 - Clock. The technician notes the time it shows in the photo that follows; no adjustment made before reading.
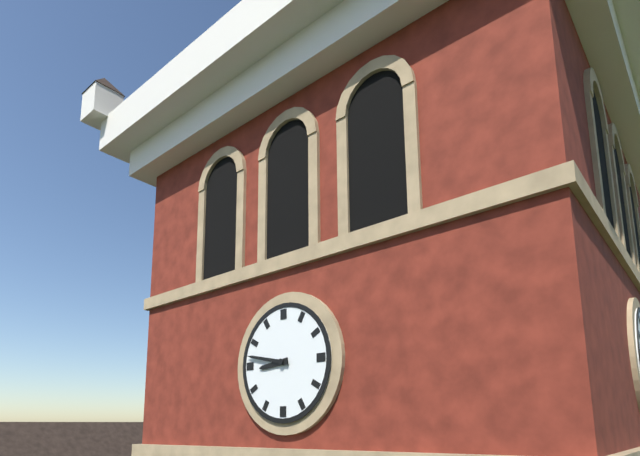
8:47
